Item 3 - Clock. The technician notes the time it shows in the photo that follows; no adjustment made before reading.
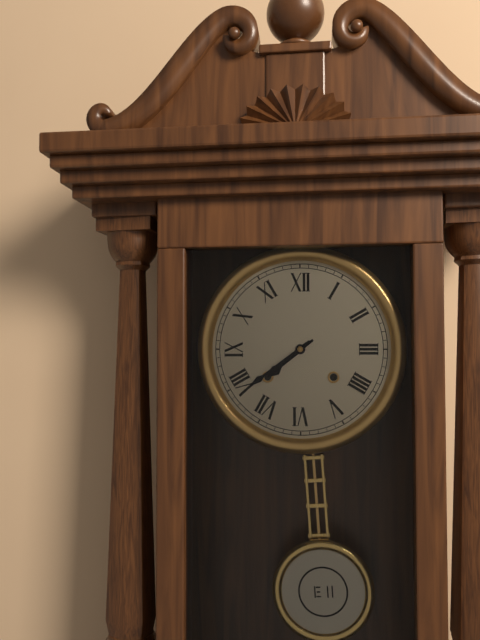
7:39
